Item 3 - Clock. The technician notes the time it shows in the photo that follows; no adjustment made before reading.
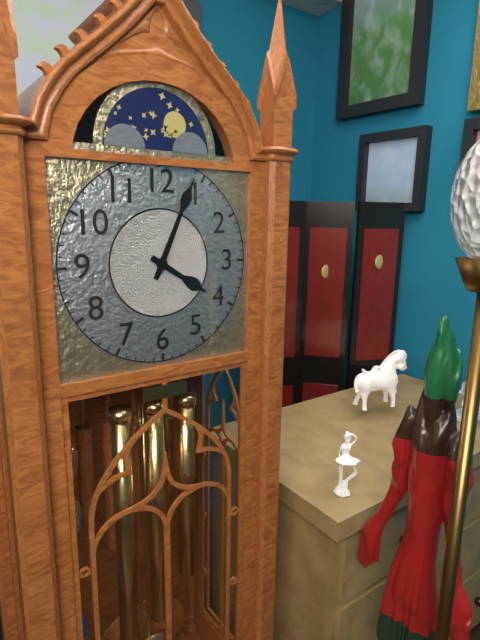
4:04
